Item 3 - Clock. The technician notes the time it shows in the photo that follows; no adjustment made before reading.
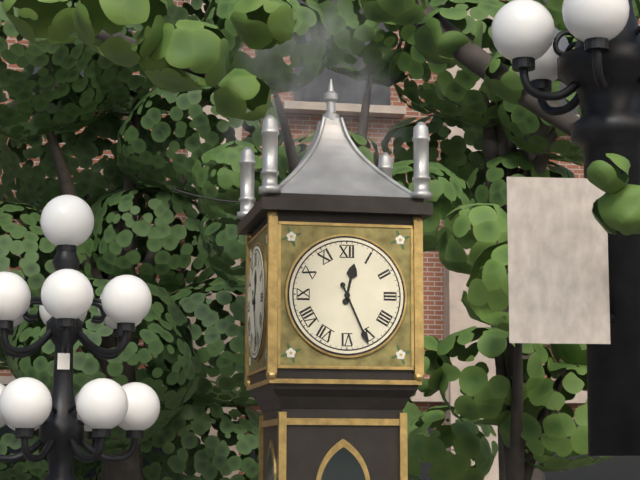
12:26
